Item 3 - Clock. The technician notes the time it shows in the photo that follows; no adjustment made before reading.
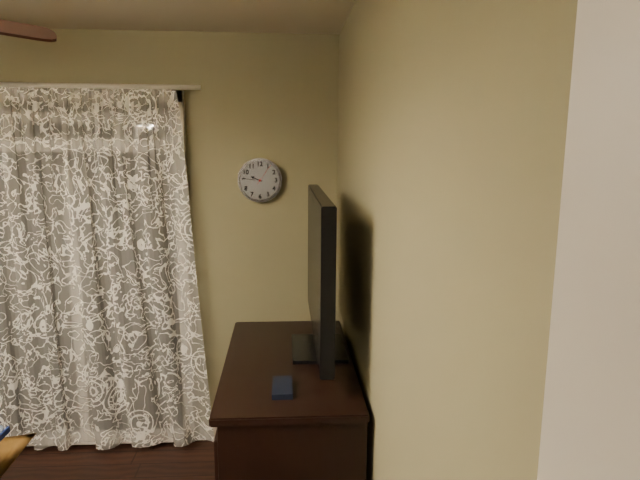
9:46
